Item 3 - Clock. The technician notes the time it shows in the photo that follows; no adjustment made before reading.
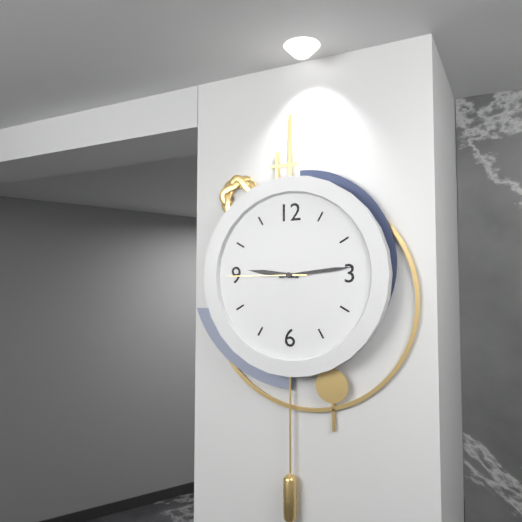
9:14:45
